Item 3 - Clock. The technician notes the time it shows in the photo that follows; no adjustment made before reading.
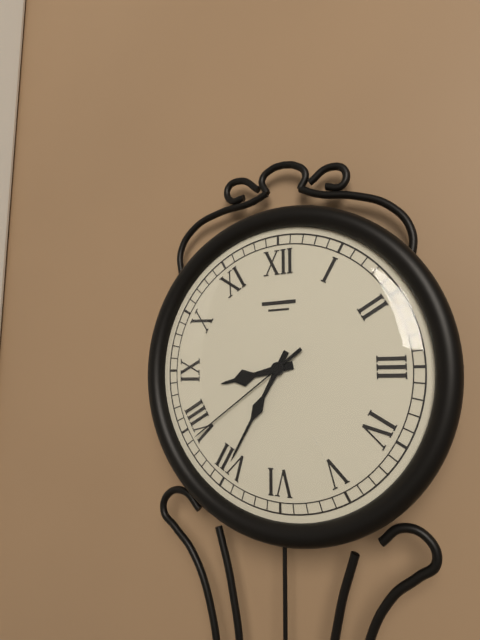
8:35:39
